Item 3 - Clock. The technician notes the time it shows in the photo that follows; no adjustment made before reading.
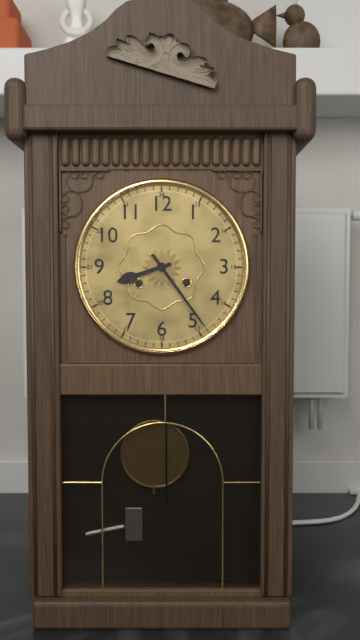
8:24
